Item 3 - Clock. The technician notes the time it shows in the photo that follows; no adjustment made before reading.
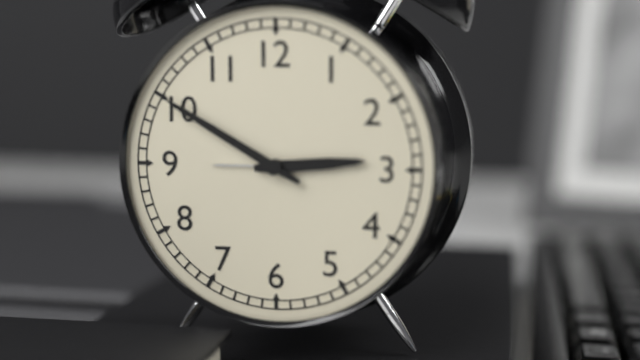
2:50
